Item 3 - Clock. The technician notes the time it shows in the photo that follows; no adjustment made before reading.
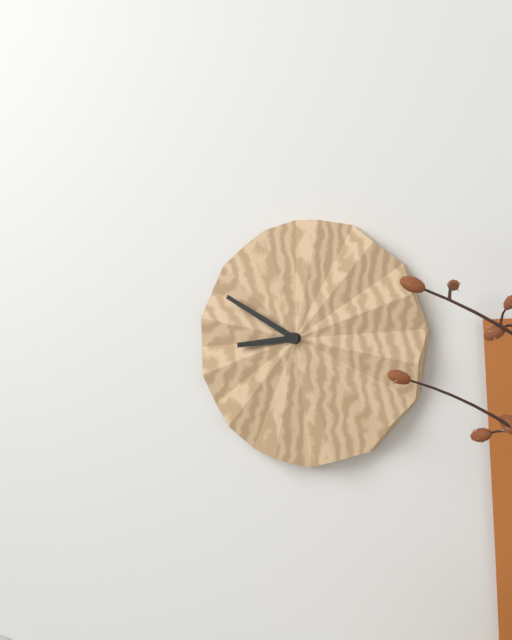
8:50
